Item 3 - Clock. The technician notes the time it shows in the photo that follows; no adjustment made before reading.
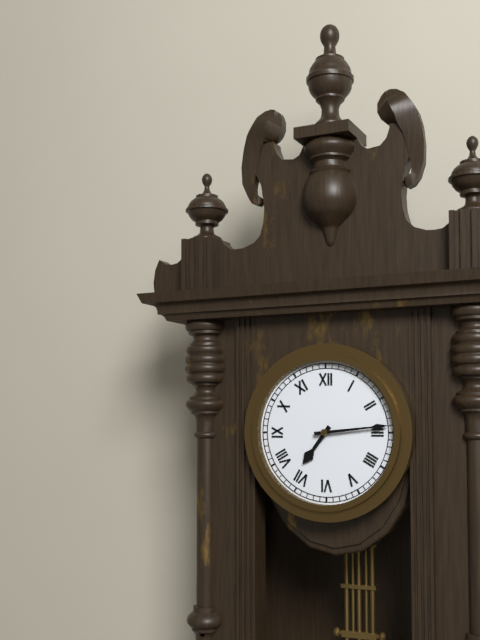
7:14
